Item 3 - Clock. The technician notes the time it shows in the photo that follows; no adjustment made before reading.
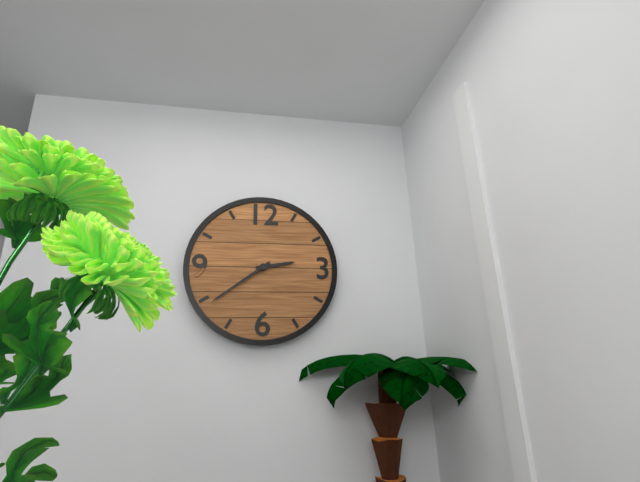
2:39
